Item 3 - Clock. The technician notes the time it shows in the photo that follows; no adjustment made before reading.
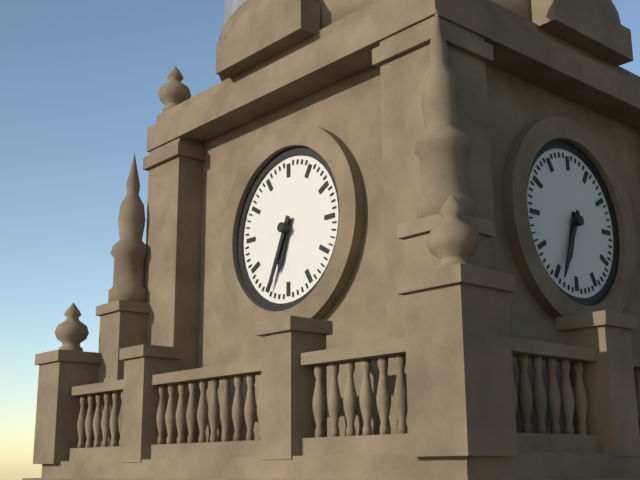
6:34
